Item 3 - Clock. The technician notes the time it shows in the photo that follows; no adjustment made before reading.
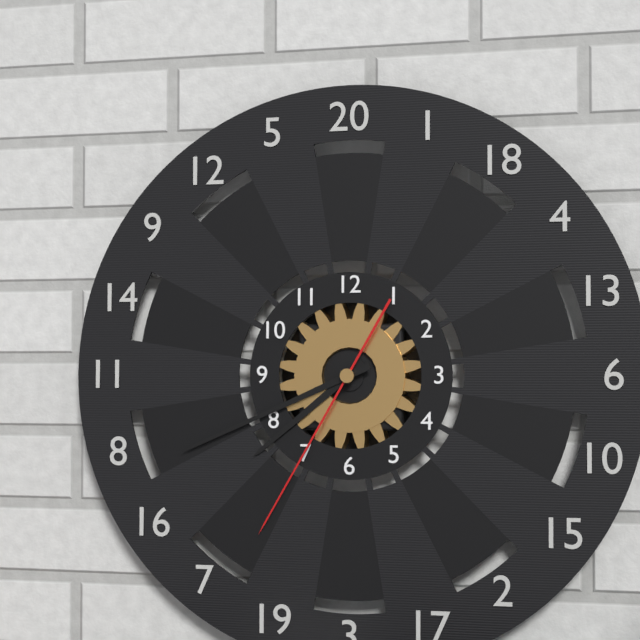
7:41:35
